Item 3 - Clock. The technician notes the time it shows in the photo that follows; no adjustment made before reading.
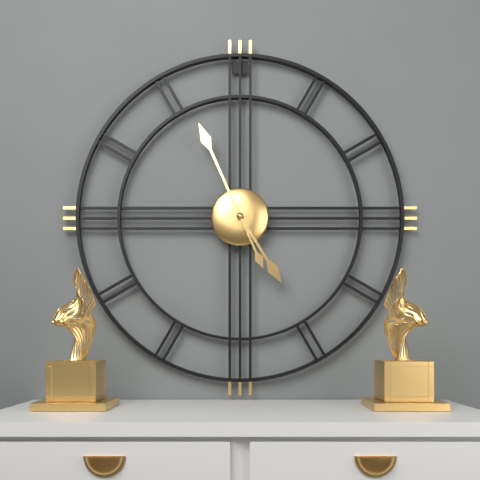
4:56
